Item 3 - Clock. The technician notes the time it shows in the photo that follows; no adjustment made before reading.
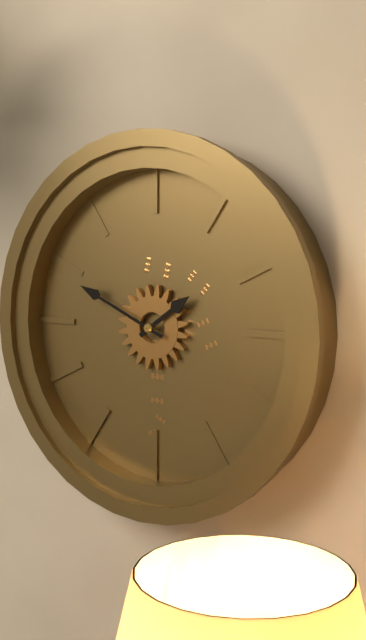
1:49
